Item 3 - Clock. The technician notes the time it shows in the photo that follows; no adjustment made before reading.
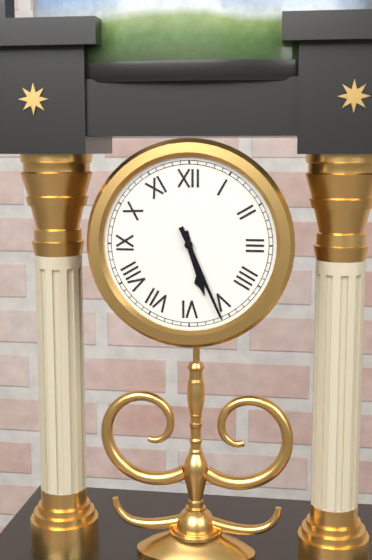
5:26
